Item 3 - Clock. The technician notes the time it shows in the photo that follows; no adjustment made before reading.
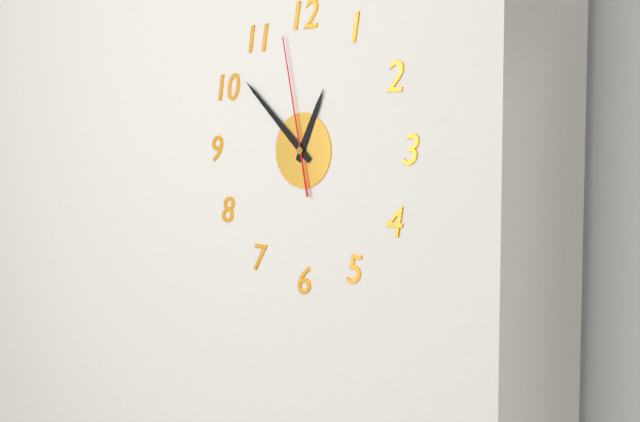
12:52:58
